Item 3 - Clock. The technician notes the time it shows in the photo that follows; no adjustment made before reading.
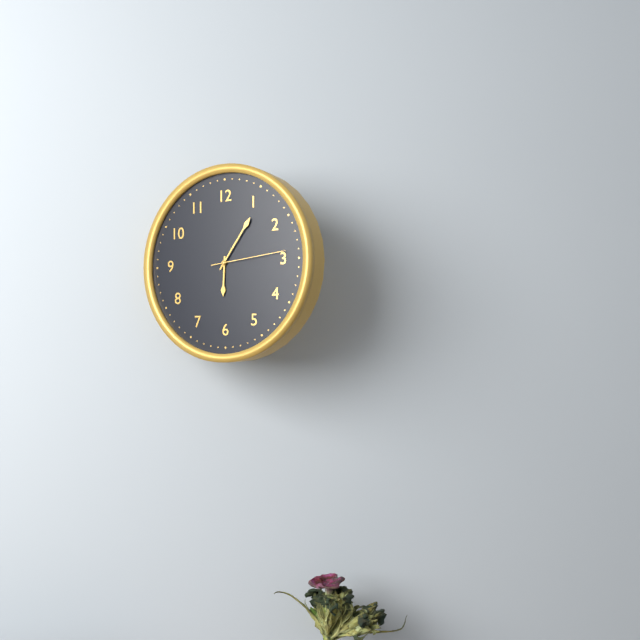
6:06:14
